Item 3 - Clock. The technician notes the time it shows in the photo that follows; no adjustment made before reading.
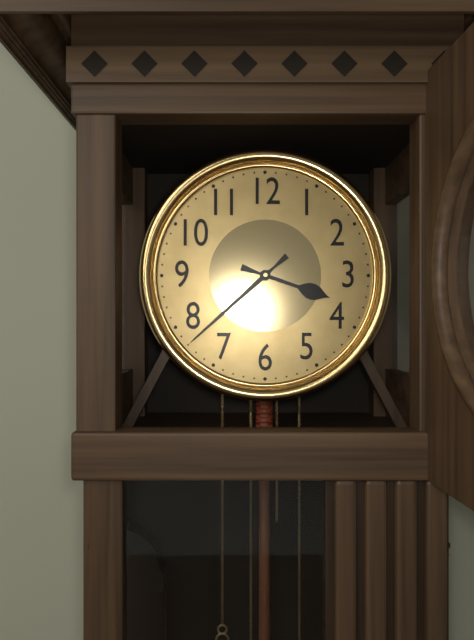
3:38
